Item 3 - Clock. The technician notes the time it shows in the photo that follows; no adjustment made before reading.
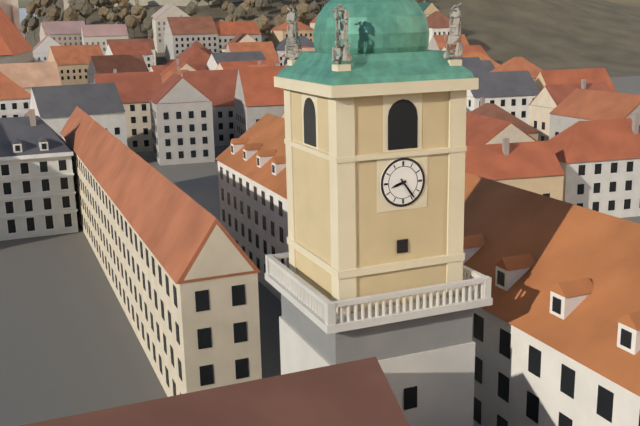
8:24
